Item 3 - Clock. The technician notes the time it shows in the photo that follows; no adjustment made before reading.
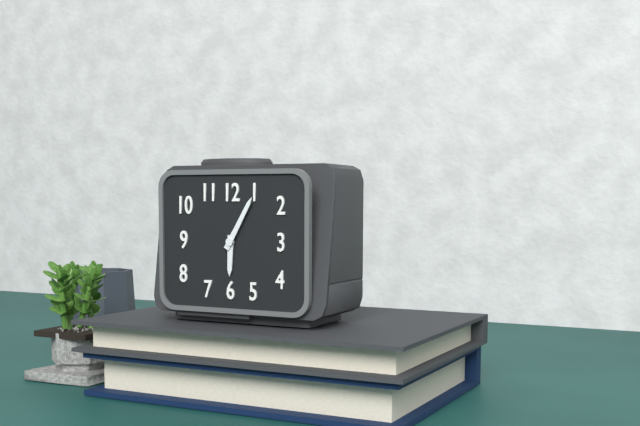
6:05
